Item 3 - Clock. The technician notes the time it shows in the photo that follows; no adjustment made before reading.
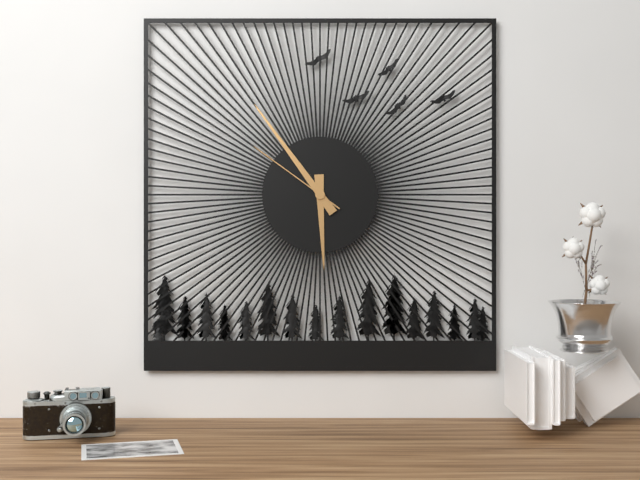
5:54:51
